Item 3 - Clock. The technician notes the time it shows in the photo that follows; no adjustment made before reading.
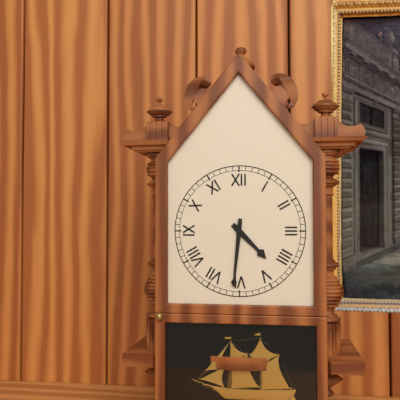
4:31
